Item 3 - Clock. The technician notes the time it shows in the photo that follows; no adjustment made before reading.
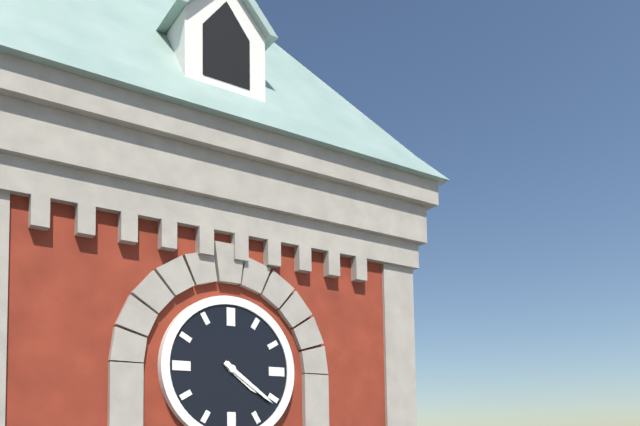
4:21
